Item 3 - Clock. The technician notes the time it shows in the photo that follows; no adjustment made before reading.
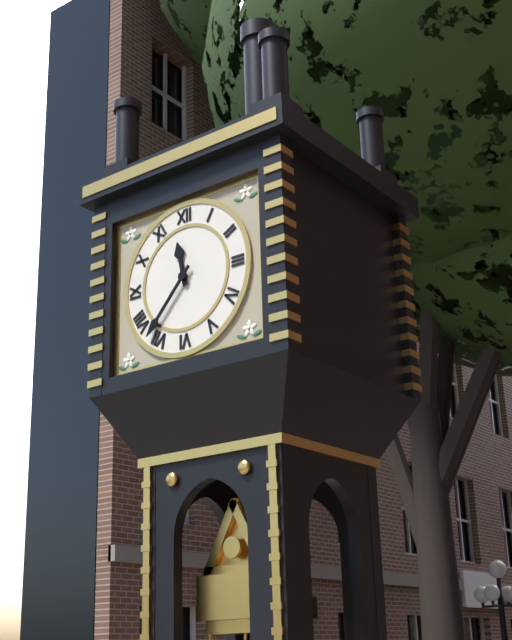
11:37
